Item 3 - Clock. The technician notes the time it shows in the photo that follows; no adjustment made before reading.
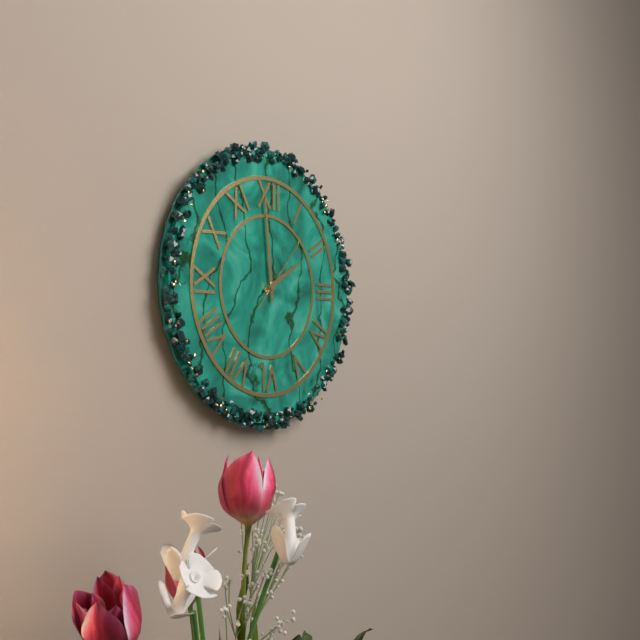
1:59:07
